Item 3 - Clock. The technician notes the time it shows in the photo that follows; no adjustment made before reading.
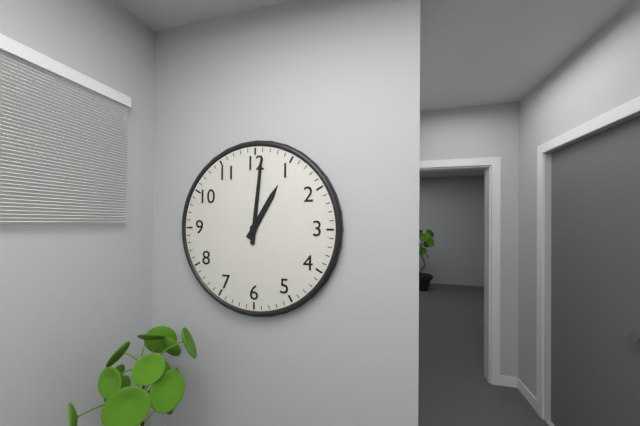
1:01
